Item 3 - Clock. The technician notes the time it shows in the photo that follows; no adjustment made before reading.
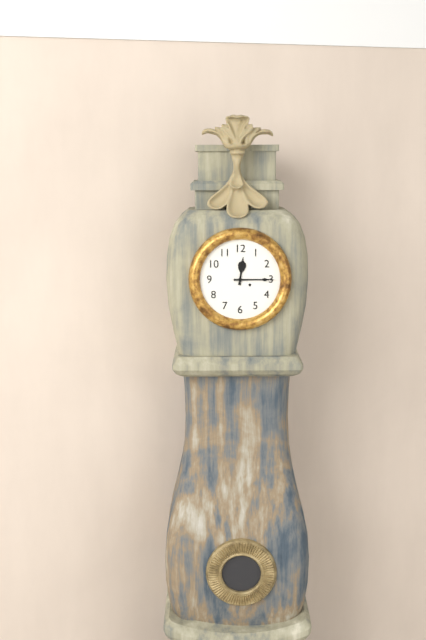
12:15
